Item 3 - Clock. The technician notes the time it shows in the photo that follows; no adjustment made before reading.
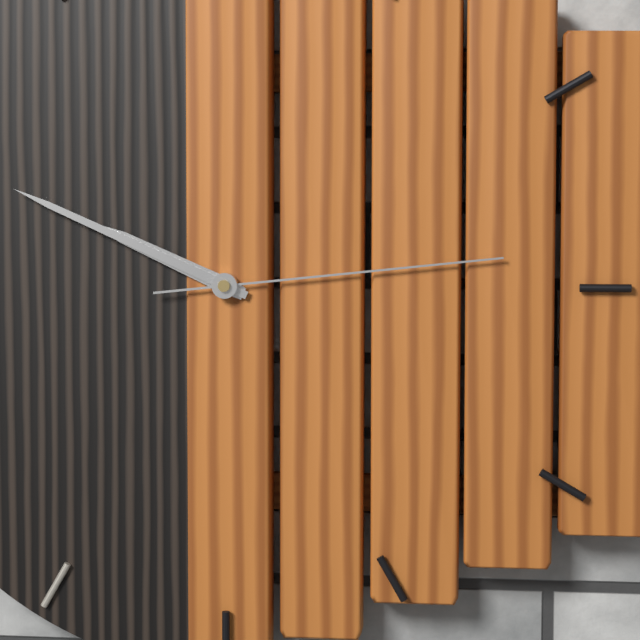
9:49:14
